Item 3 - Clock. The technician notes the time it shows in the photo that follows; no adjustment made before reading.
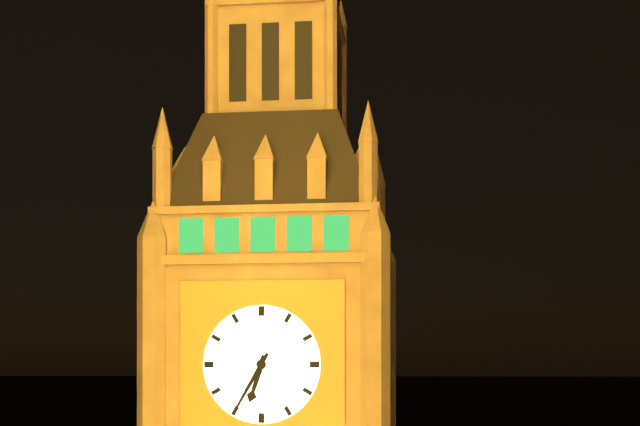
6:35
